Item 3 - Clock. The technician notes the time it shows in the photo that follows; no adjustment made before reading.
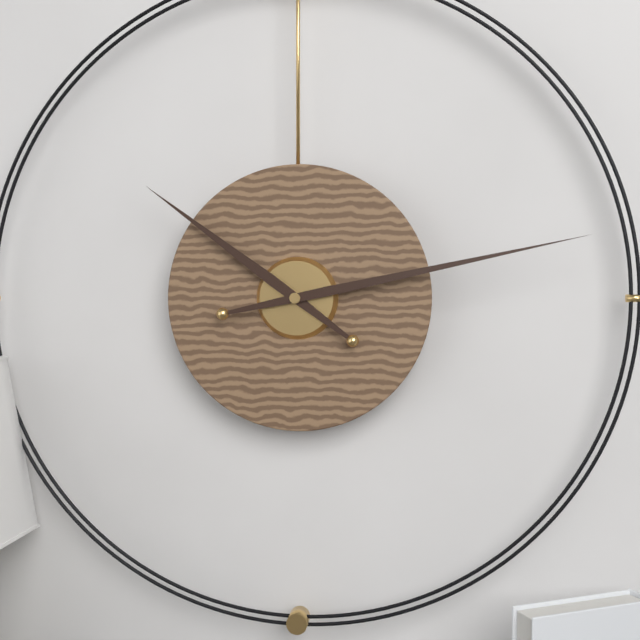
10:13
